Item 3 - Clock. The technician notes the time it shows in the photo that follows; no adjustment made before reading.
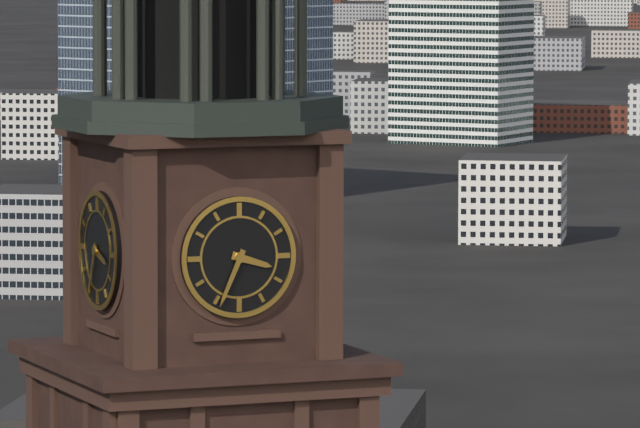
3:34
